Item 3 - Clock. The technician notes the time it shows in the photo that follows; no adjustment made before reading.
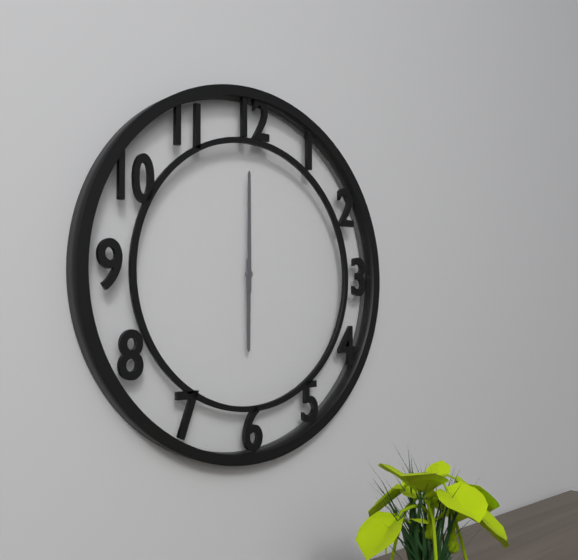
6:00
